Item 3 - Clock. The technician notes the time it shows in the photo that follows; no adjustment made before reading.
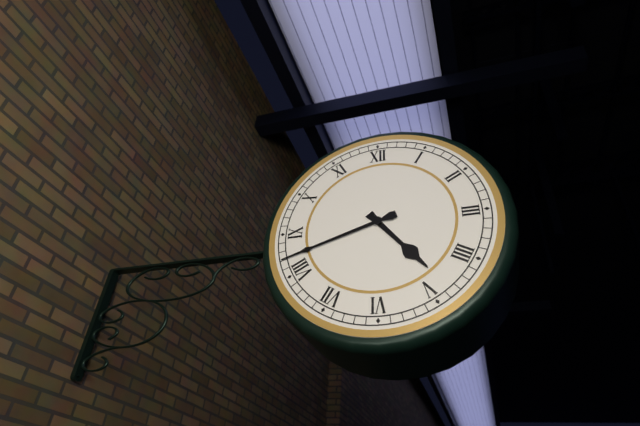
4:42
